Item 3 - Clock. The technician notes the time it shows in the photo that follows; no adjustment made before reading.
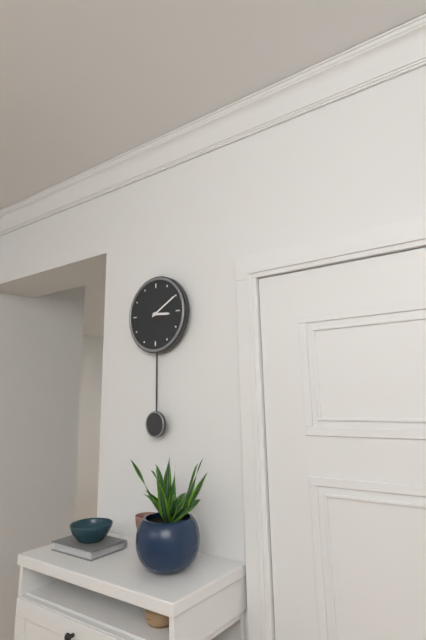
3:10
